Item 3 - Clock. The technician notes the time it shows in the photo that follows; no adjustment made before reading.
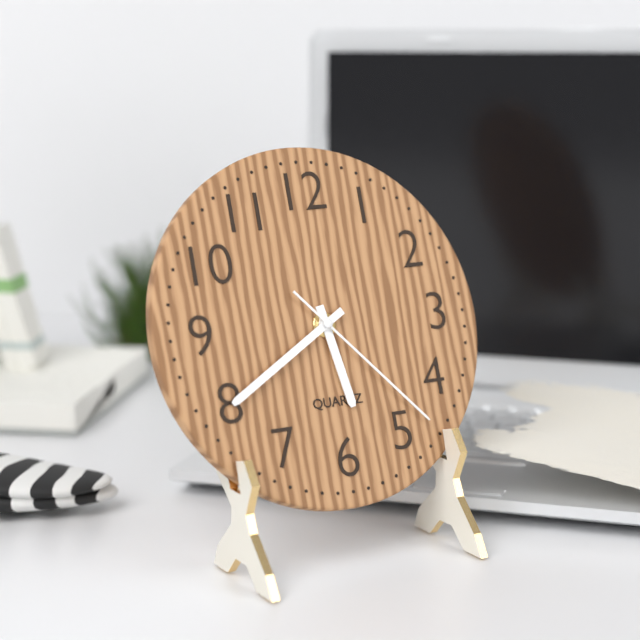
5:40:23
